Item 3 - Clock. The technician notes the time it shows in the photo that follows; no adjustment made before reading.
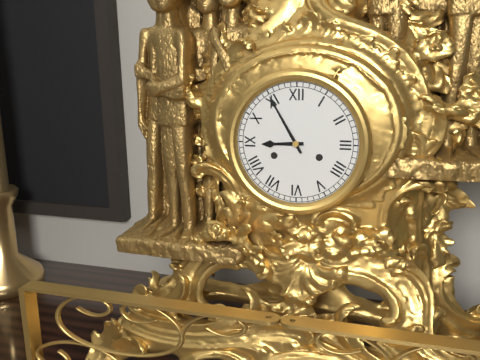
8:55
